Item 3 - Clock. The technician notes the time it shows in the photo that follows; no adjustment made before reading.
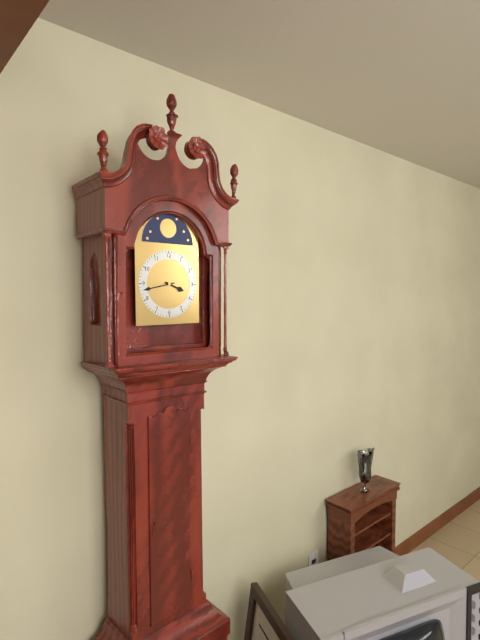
3:43
